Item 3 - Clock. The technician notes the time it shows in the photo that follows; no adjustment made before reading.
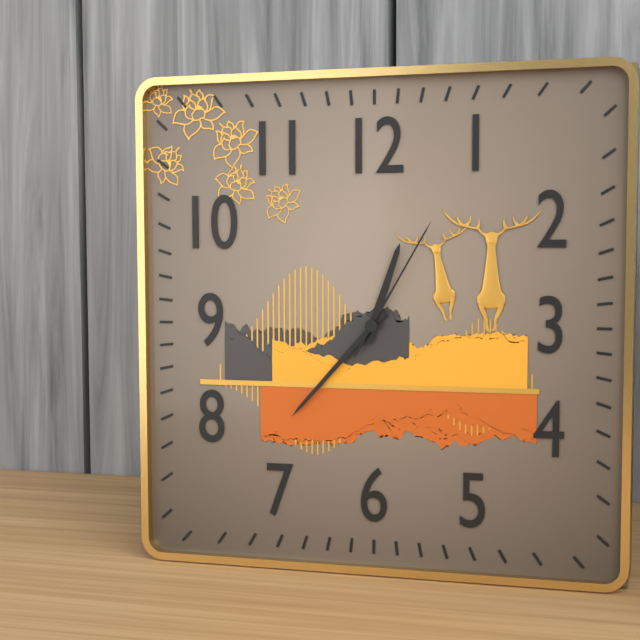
12:37:05
